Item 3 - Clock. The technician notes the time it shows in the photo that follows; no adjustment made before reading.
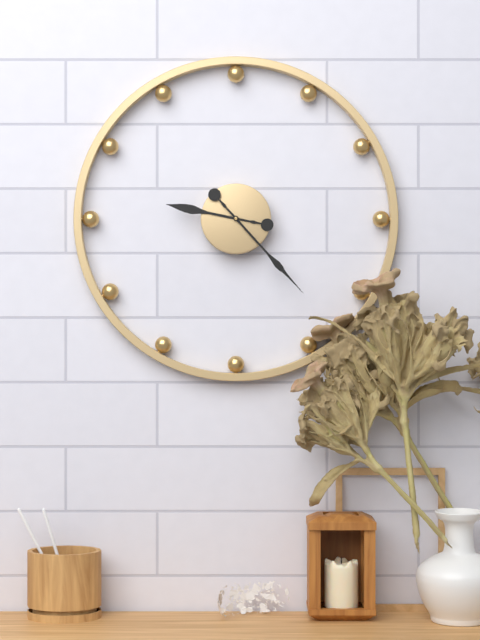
9:23
